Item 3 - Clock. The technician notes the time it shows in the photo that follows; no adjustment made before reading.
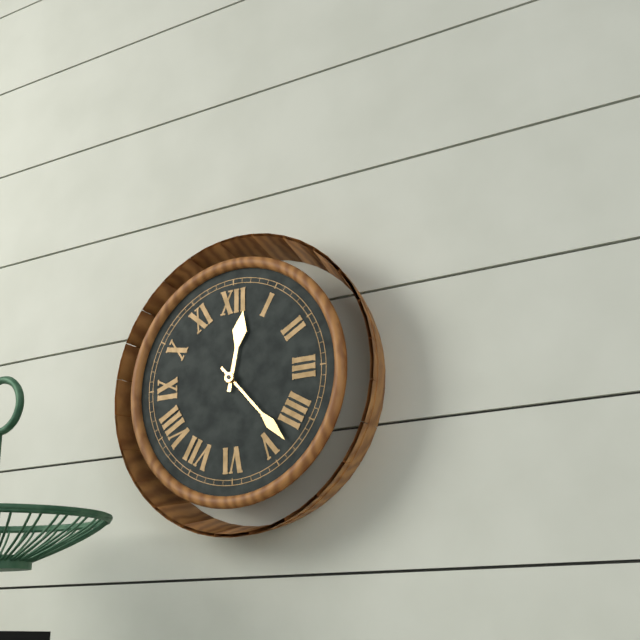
12:23
